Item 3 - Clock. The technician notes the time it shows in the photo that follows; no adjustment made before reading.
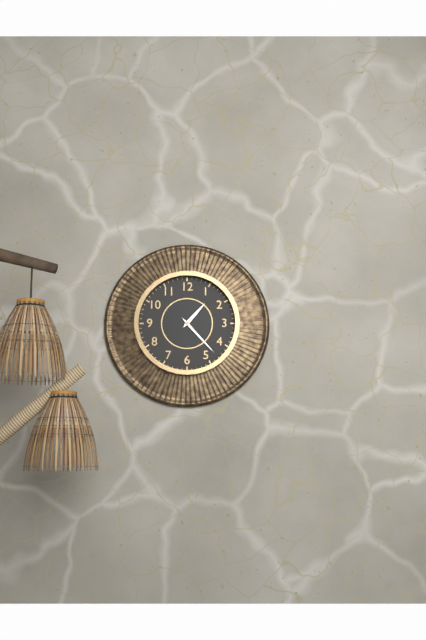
1:23
